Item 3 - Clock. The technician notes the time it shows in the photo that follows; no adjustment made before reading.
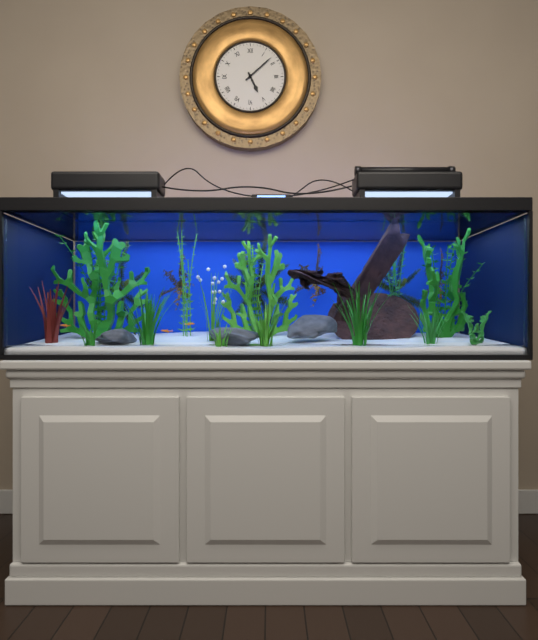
5:08
